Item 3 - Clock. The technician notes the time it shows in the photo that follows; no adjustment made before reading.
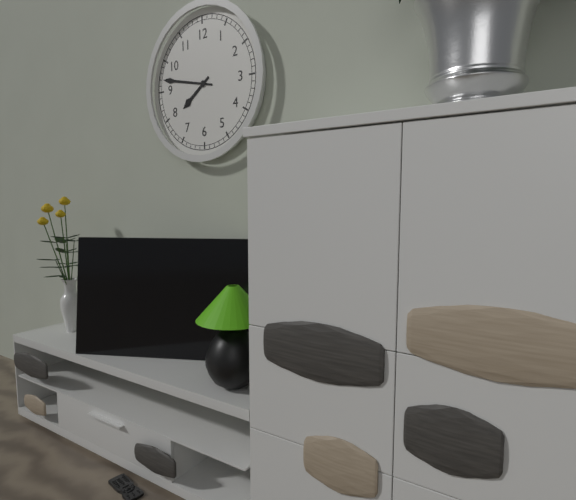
7:47
